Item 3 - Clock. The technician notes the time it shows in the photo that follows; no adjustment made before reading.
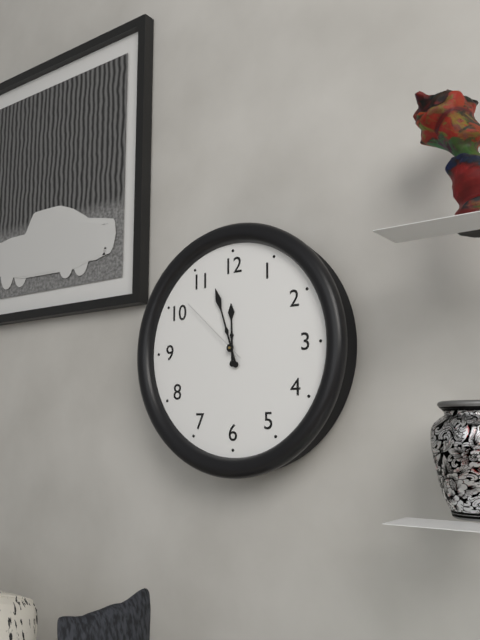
11:57:52
